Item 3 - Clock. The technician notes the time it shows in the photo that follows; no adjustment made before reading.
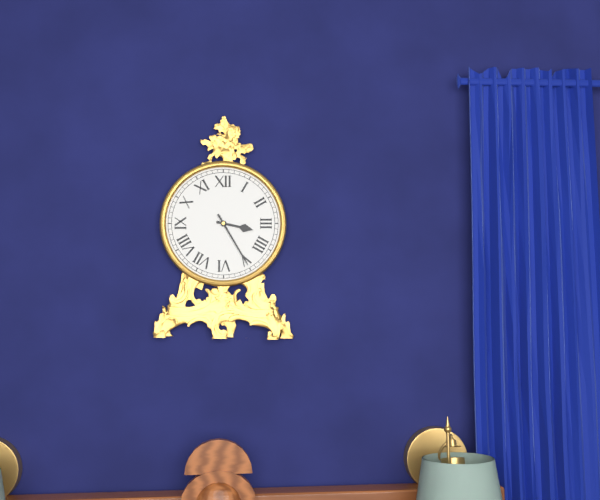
3:25
